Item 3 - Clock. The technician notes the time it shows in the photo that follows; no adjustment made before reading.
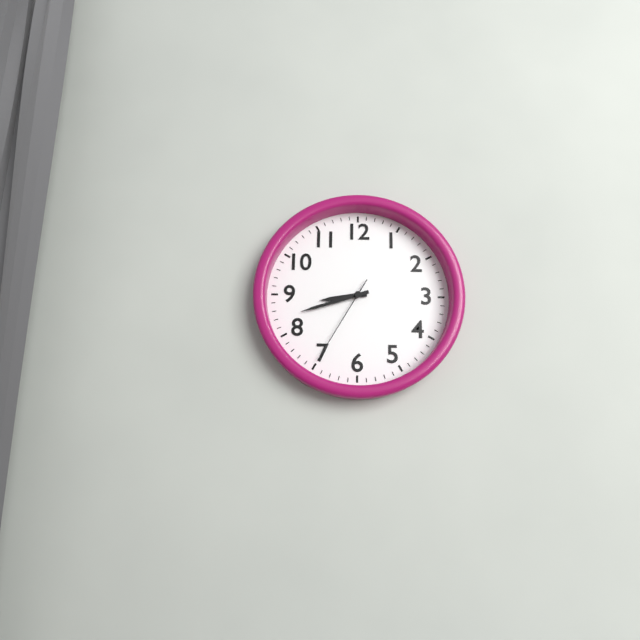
8:42:35
